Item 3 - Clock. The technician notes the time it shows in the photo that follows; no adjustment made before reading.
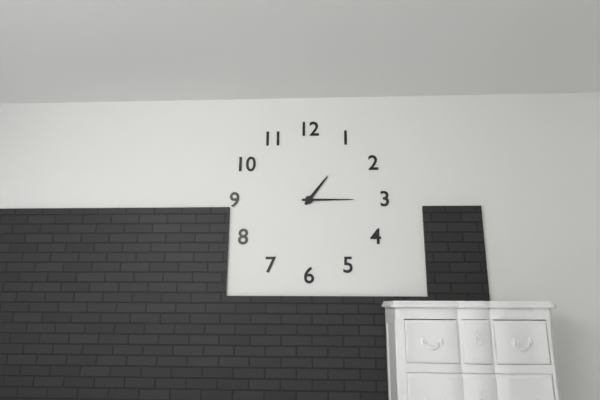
1:15
